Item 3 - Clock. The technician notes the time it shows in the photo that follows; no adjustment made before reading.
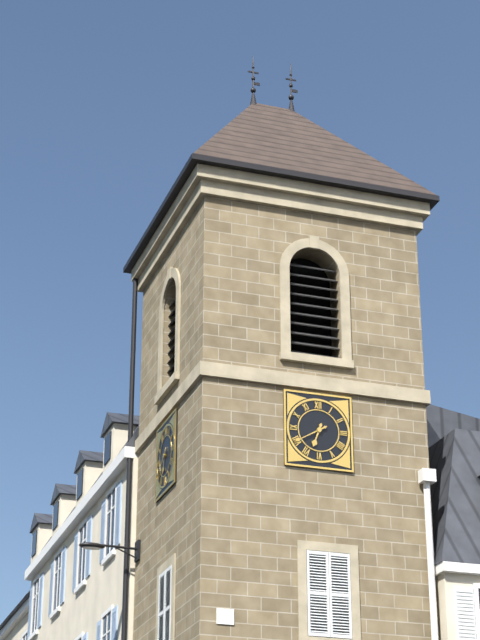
6:40
